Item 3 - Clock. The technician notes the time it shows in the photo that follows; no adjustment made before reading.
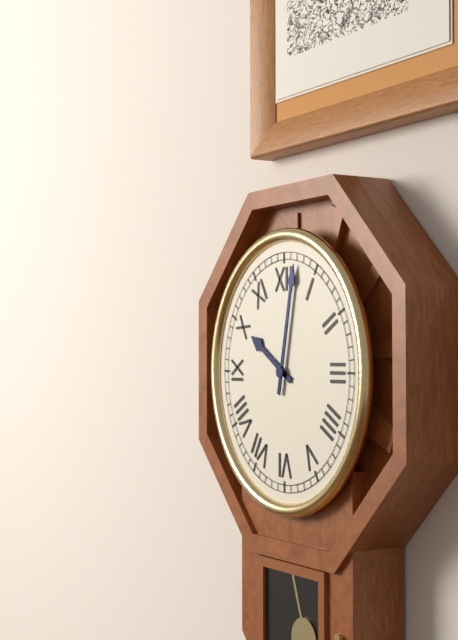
10:02
